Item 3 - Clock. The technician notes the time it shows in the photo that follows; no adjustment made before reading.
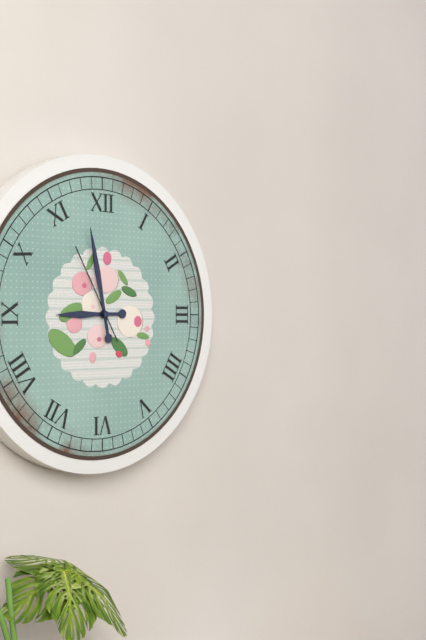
8:58:55
